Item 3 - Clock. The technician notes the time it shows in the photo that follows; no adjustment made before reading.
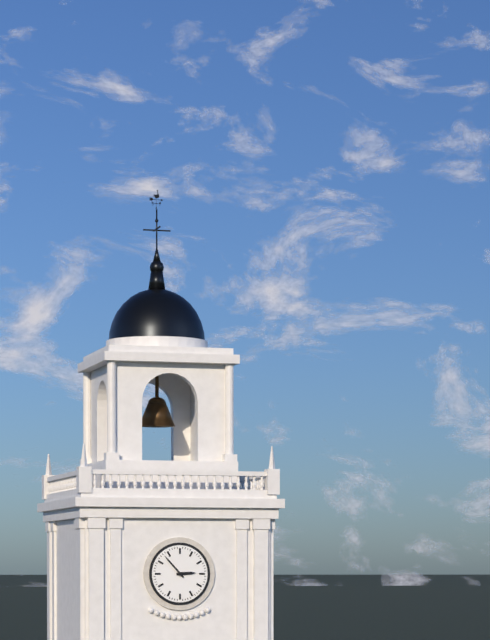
2:53
